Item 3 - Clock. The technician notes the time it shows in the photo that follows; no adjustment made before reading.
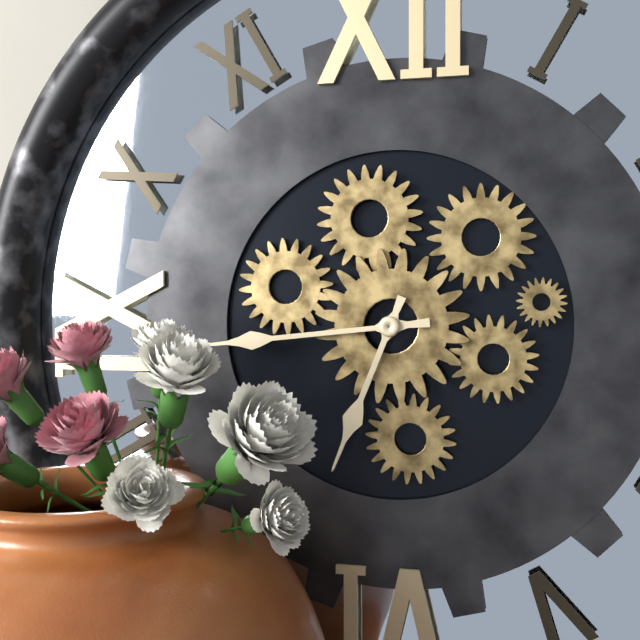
6:44
